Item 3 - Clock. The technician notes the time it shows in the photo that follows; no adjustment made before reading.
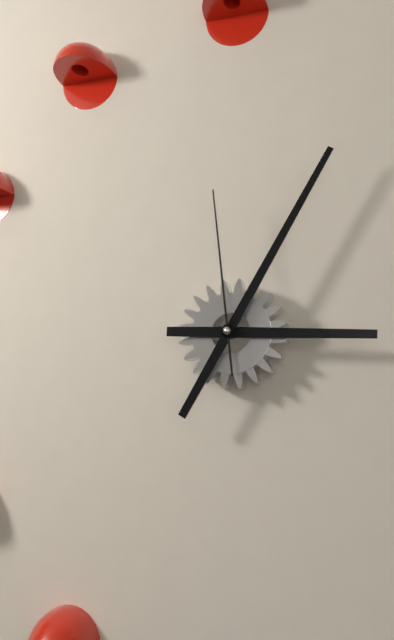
3:05:59
